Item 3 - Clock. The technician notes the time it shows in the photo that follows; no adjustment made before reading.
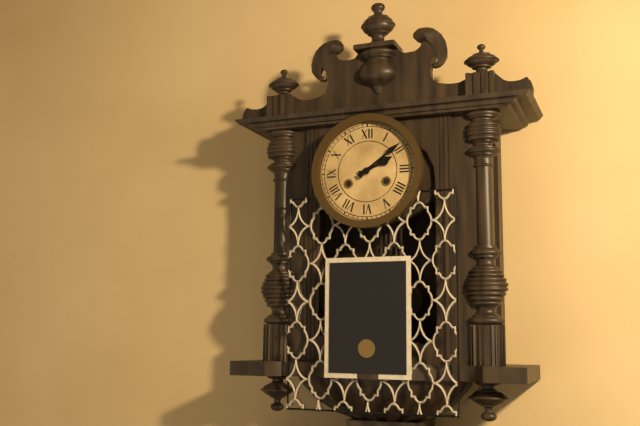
2:09
